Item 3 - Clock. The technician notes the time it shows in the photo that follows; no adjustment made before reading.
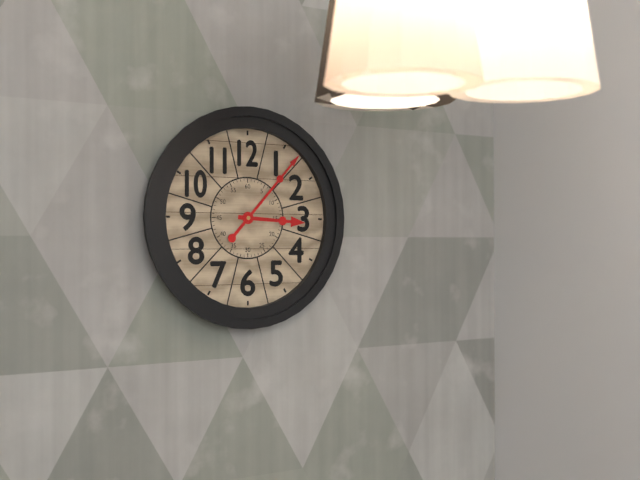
3:07
